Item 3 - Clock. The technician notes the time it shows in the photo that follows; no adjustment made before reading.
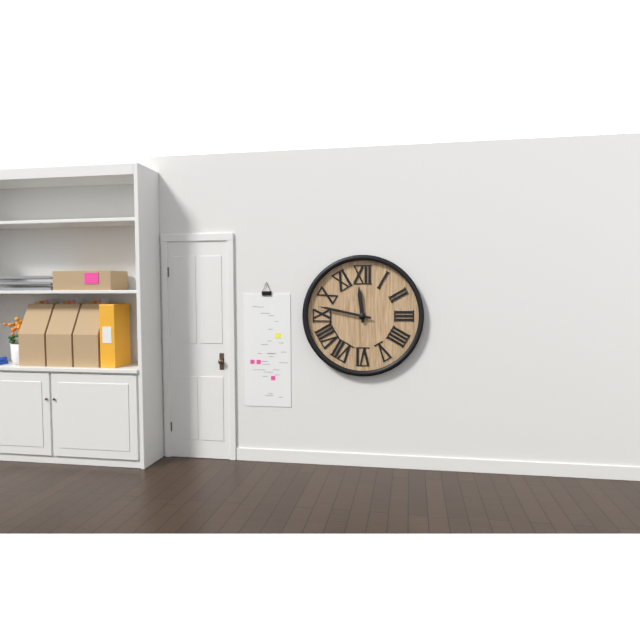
11:47
